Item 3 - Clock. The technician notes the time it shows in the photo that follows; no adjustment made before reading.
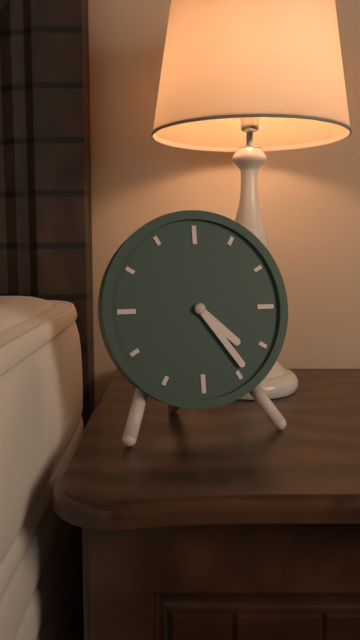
4:24
